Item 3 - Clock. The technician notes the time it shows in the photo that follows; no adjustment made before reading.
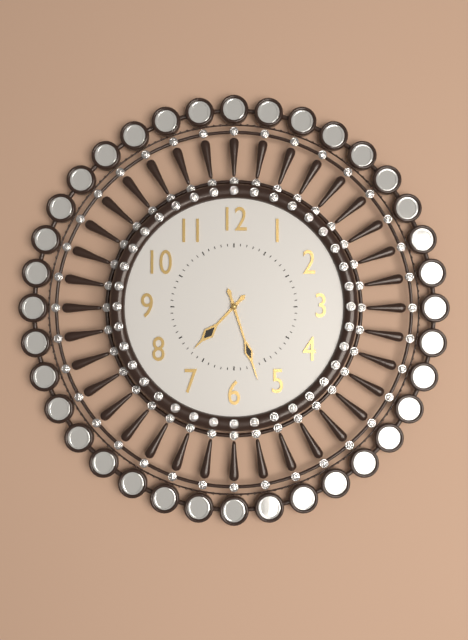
7:27
